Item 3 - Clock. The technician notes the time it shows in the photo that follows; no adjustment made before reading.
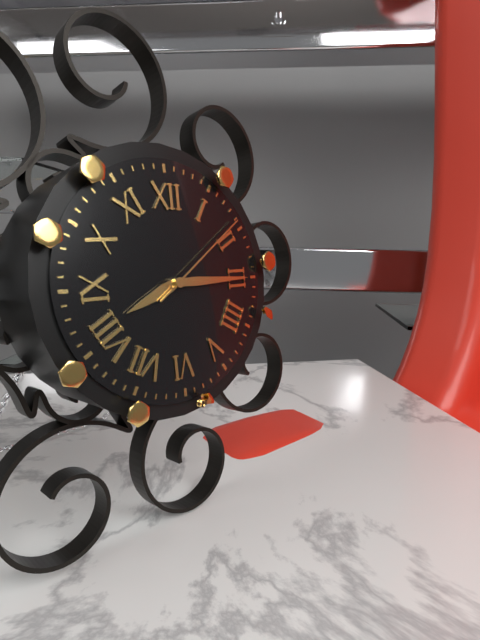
8:15:09
